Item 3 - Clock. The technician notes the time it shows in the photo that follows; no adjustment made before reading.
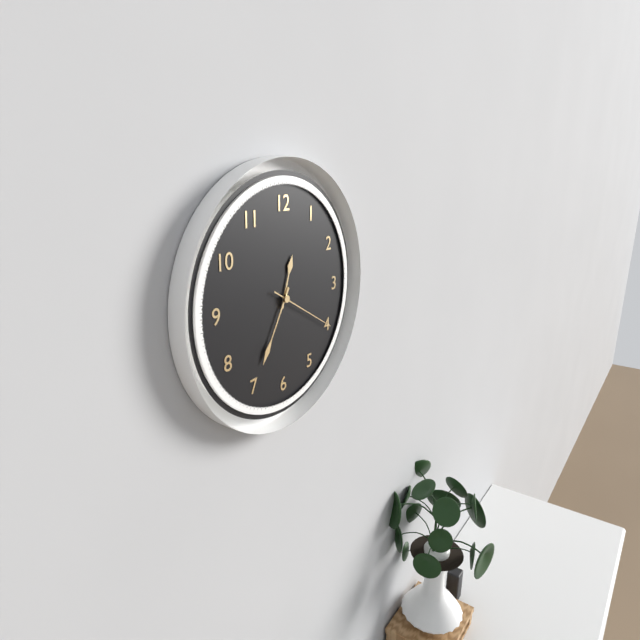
12:35:20
